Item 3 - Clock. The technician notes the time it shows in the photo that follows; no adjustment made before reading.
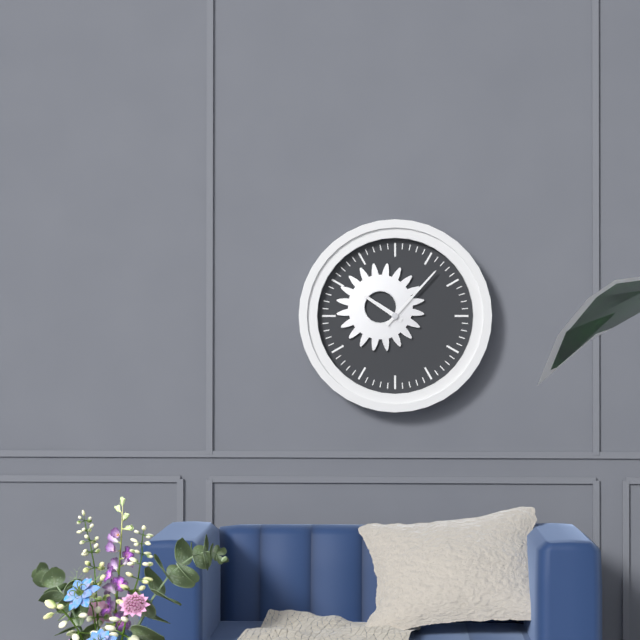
10:07
